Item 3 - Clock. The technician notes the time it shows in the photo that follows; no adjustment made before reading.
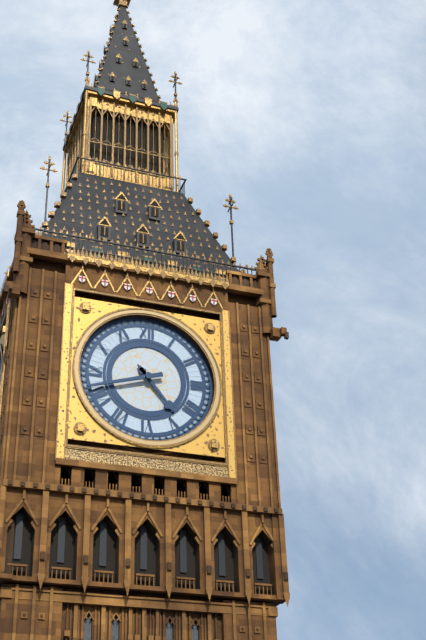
4:42
